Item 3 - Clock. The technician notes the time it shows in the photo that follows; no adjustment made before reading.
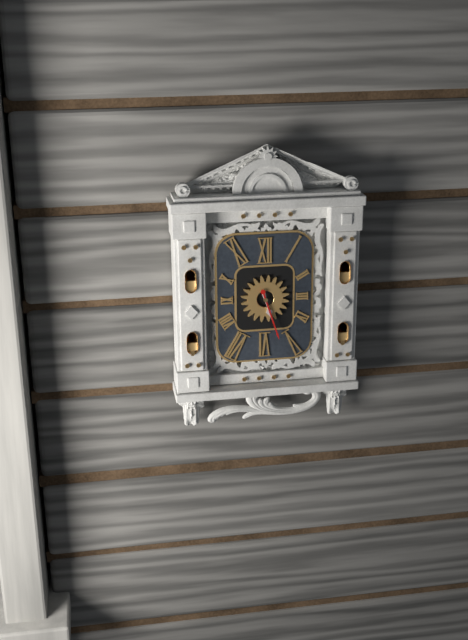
5:27
